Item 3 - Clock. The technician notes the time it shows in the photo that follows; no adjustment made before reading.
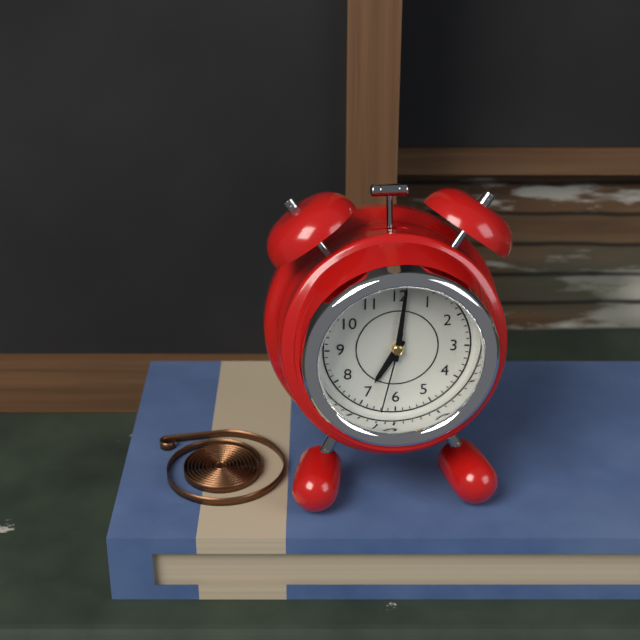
7:01:32
